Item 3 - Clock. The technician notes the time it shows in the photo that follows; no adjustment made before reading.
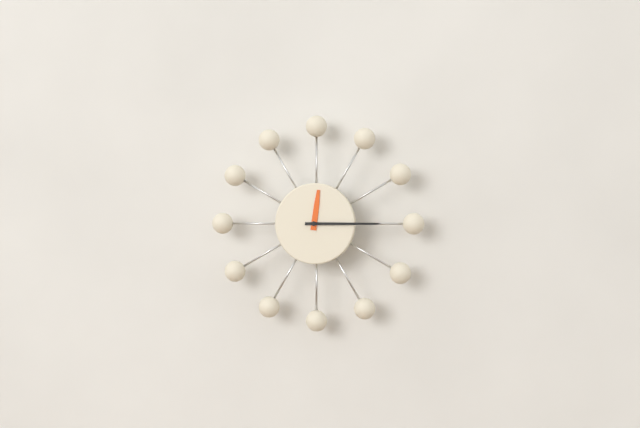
12:15
